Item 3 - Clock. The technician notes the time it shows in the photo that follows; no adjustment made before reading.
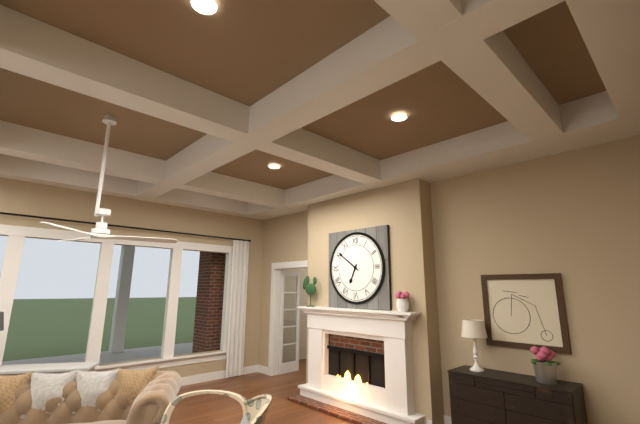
6:51
